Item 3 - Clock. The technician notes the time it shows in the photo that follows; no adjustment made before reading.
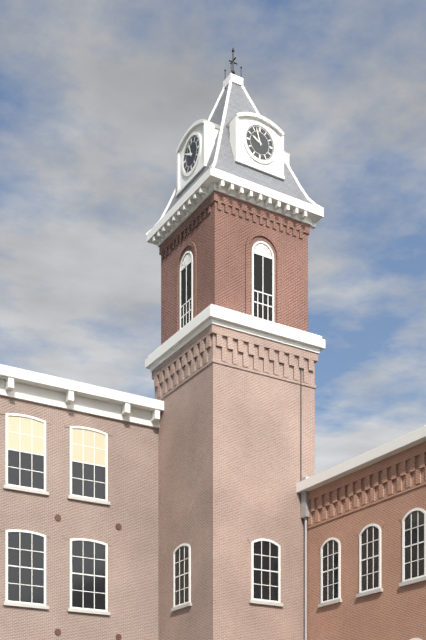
9:57
